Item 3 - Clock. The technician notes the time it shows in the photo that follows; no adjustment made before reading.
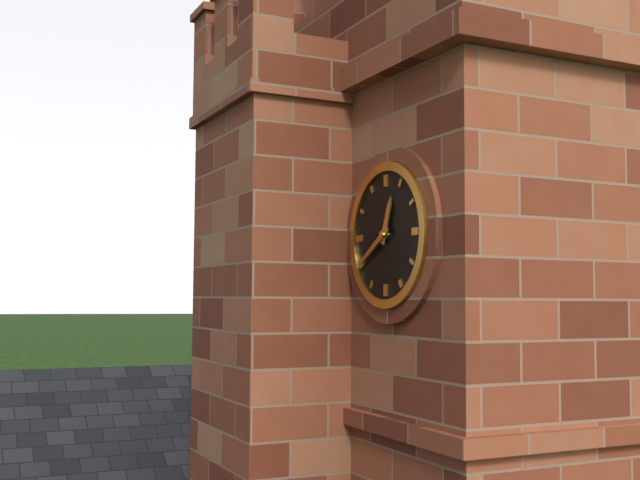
12:40
